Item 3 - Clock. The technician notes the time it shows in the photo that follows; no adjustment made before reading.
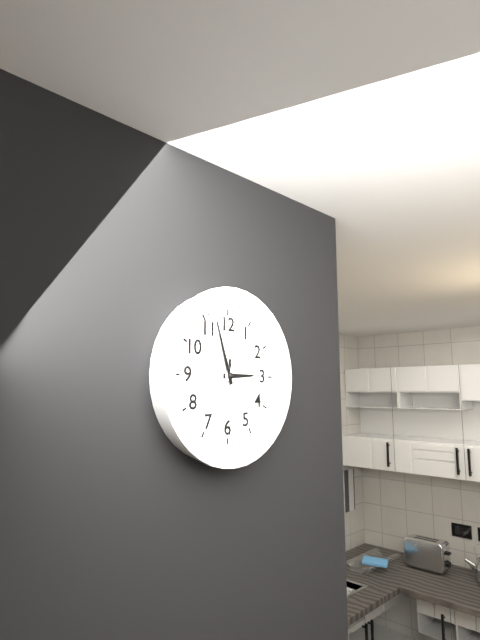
2:57:30
